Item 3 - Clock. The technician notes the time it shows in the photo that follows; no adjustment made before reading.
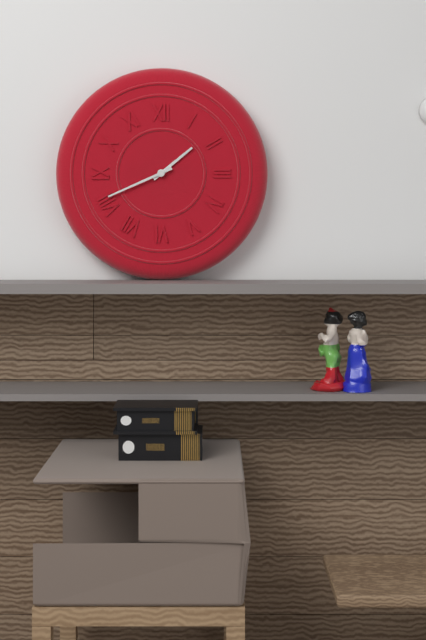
1:41
